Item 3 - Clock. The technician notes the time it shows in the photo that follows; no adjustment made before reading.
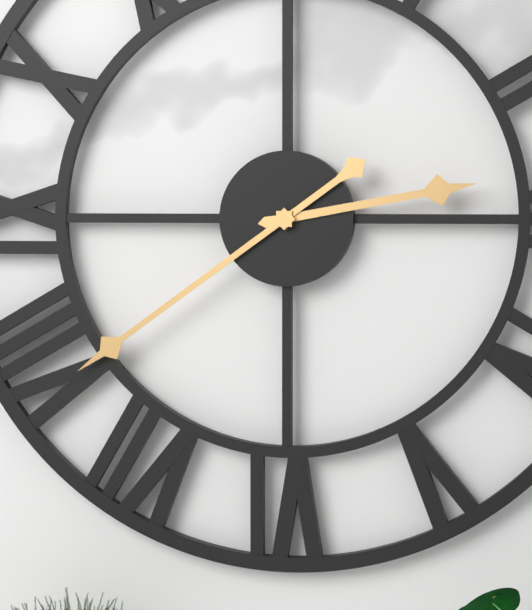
2:39
